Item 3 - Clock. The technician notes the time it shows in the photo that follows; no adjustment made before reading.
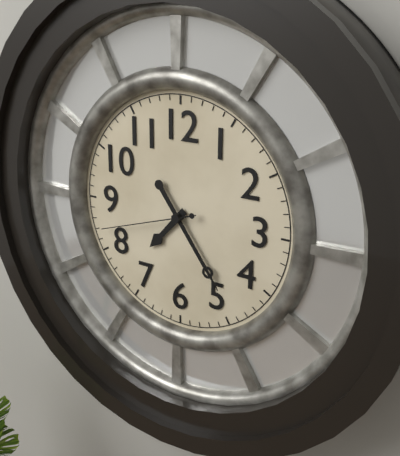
7:24:42
